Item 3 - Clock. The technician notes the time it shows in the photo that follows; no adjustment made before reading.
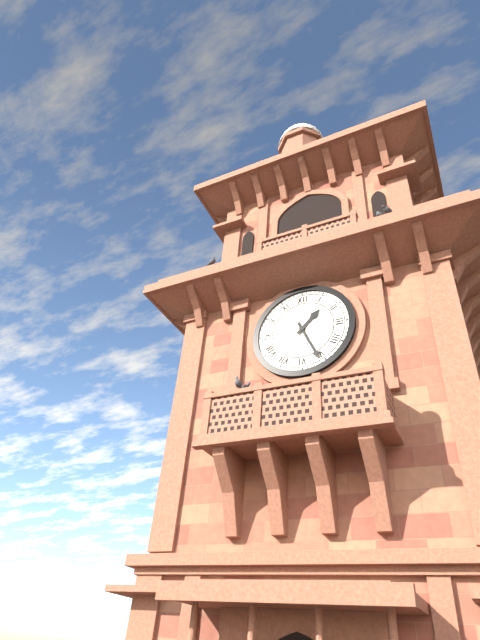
1:26
